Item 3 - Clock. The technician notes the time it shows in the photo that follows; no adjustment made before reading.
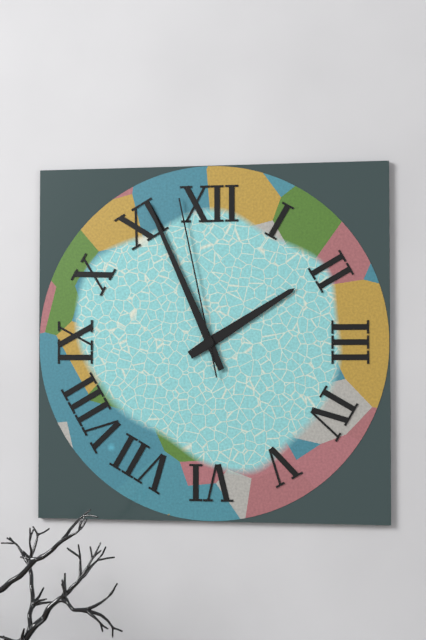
1:56:58
